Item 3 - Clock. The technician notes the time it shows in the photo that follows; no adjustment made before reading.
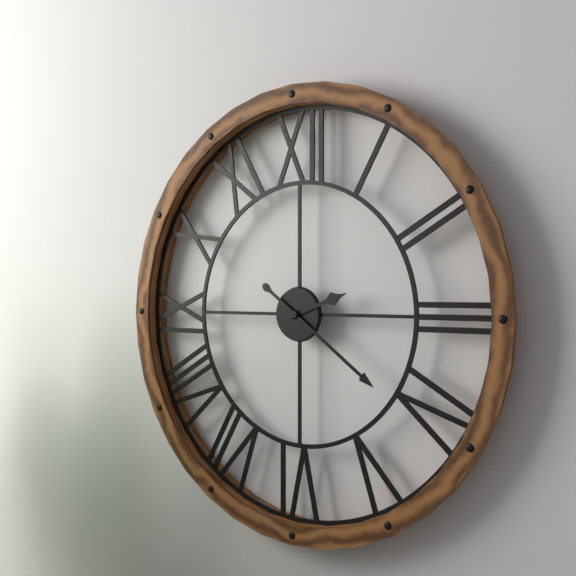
2:21
